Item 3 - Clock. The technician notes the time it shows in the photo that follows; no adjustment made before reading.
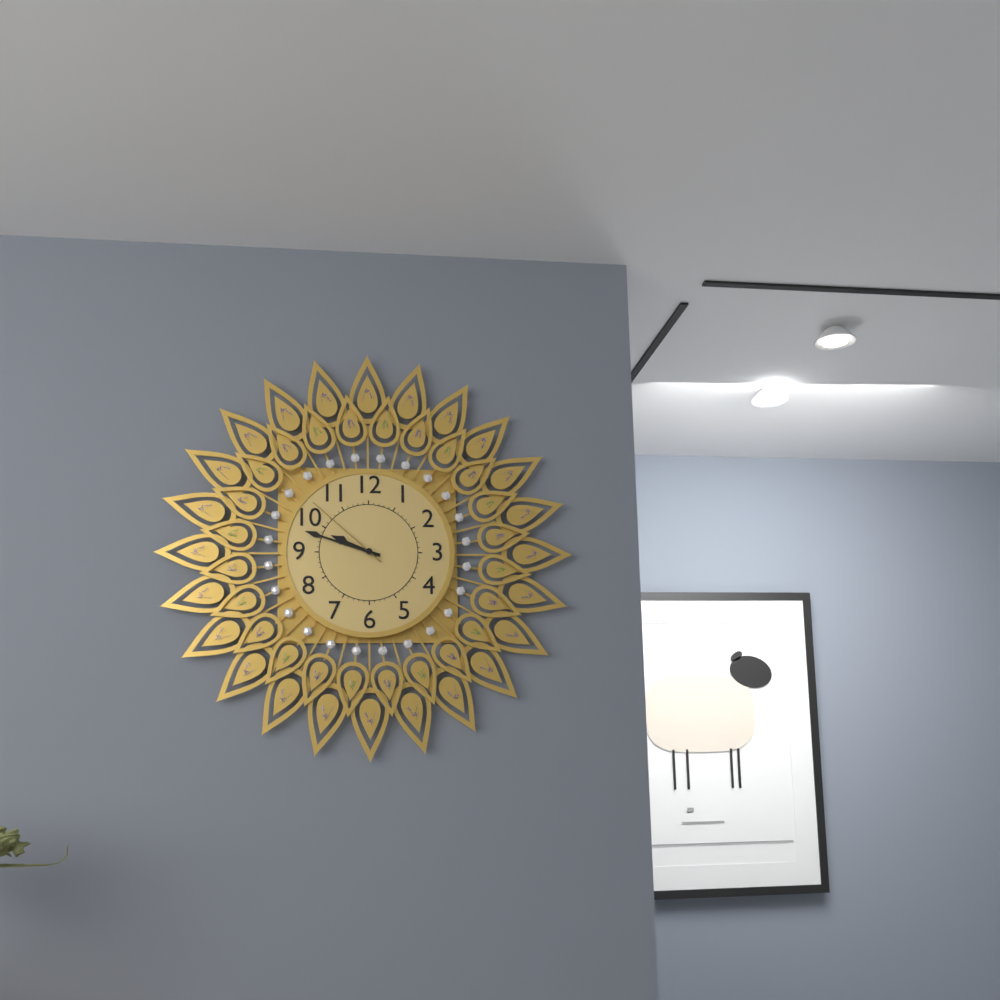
9:48:52
